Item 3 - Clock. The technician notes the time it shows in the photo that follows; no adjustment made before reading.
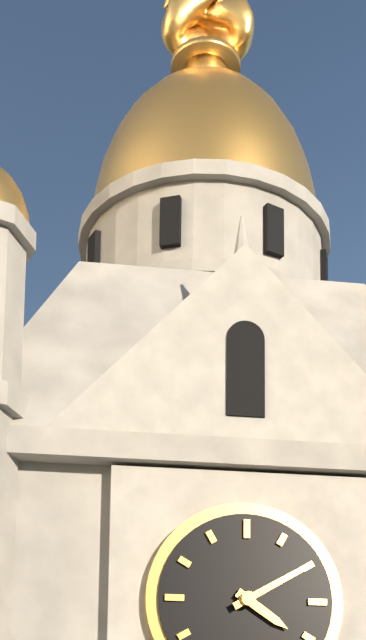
4:10
